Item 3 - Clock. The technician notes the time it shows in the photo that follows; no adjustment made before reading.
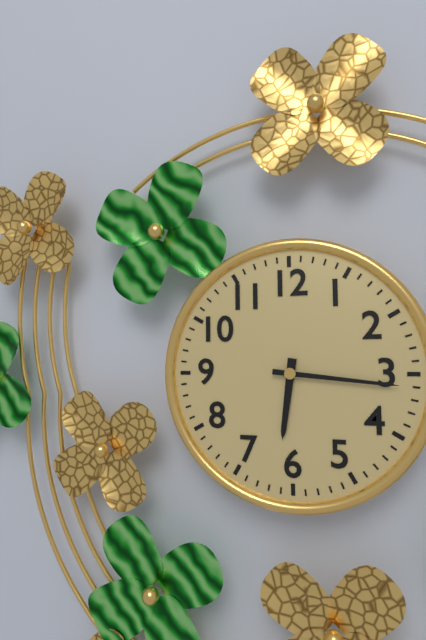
6:16
